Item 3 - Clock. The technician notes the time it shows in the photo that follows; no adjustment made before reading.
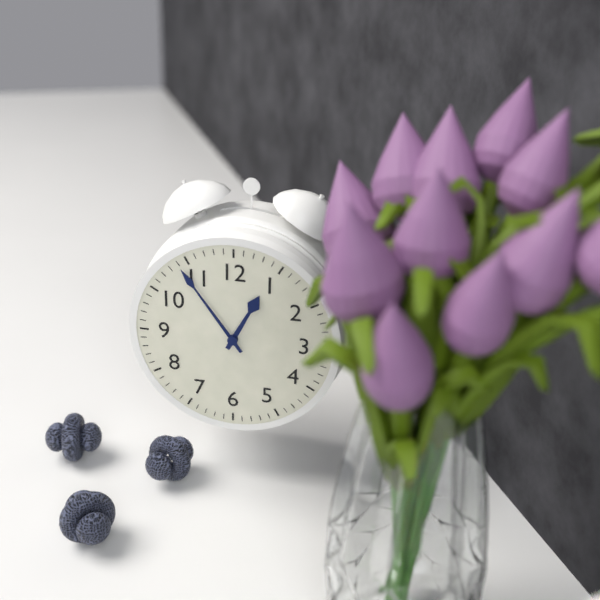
12:54
